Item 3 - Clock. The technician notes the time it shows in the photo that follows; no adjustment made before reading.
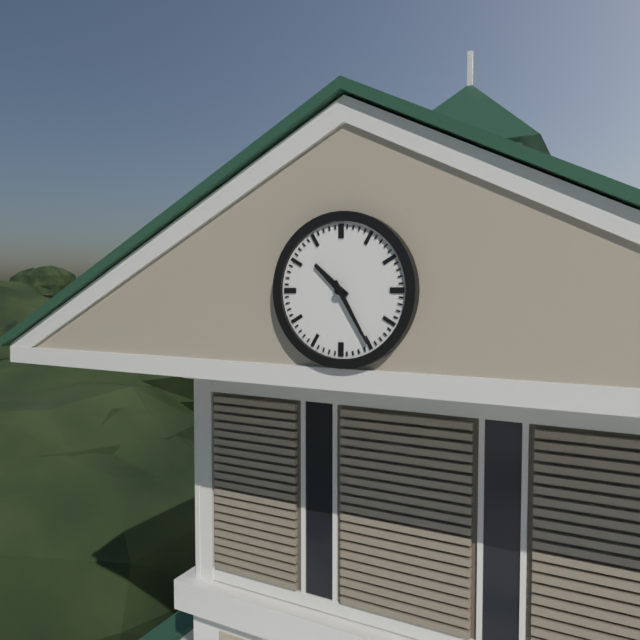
10:25
